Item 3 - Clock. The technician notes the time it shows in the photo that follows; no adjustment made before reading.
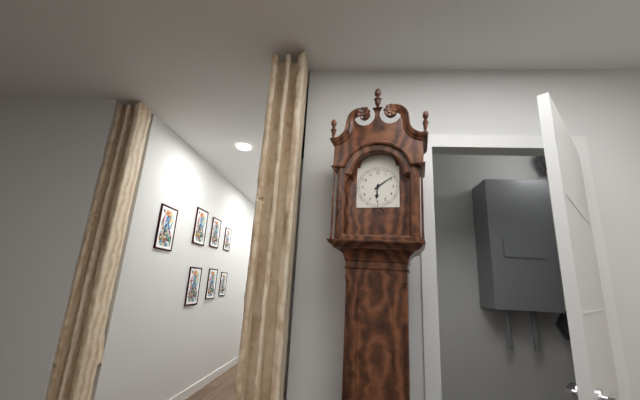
6:09
